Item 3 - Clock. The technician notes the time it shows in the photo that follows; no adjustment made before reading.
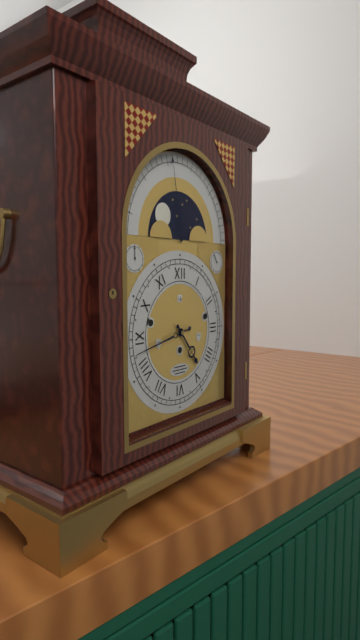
4:43
